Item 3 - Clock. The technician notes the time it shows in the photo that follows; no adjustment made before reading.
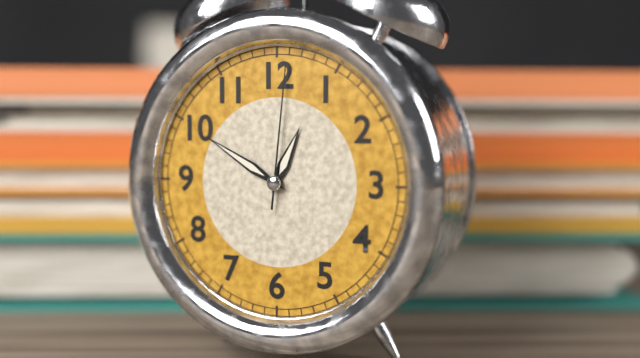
12:50:01
